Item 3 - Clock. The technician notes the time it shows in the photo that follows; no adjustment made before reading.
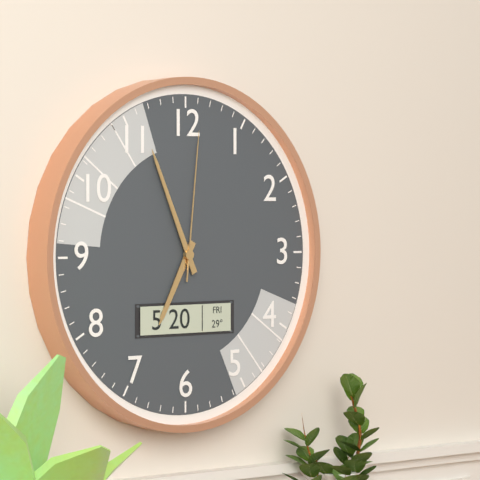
6:56:01
